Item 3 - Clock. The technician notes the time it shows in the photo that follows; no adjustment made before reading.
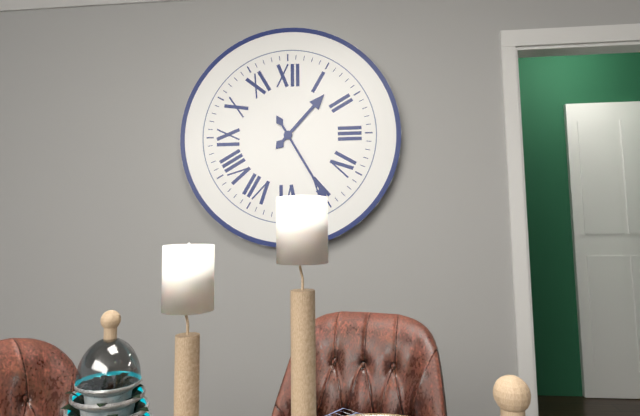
1:25
